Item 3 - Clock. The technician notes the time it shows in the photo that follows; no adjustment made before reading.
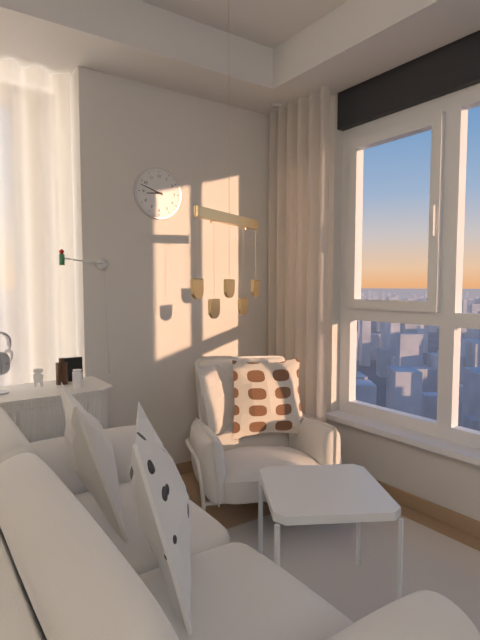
8:48
